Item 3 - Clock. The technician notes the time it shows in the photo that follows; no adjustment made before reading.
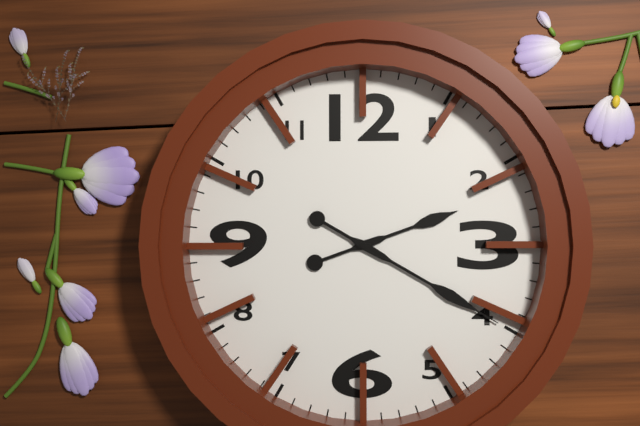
2:20
